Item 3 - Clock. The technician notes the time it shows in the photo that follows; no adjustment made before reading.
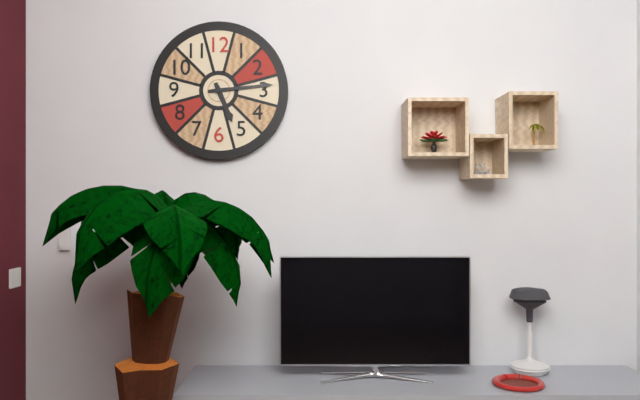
5:14
